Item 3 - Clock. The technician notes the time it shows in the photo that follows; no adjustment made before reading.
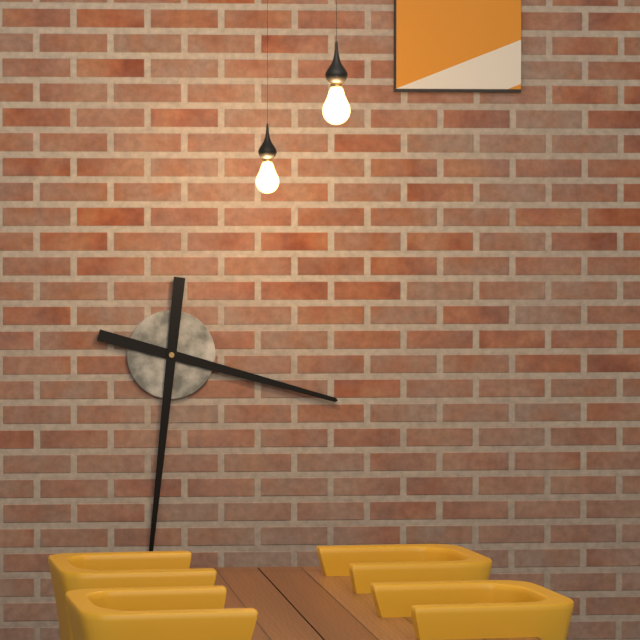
3:31
